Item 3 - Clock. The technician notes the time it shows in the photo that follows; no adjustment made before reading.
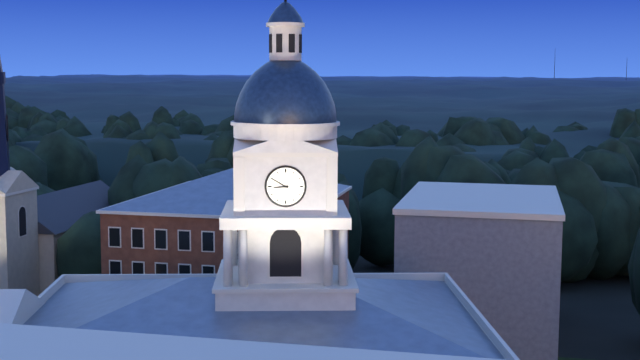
8:50
